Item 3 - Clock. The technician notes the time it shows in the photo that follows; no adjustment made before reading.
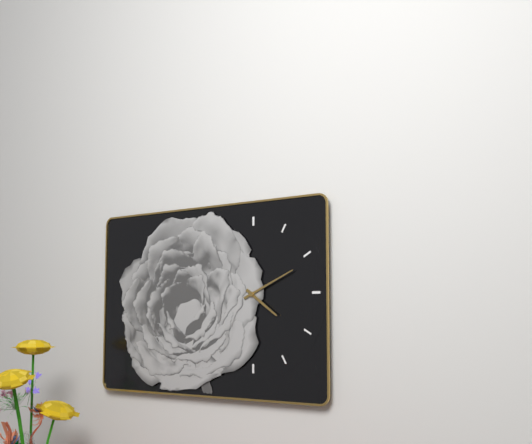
4:11
